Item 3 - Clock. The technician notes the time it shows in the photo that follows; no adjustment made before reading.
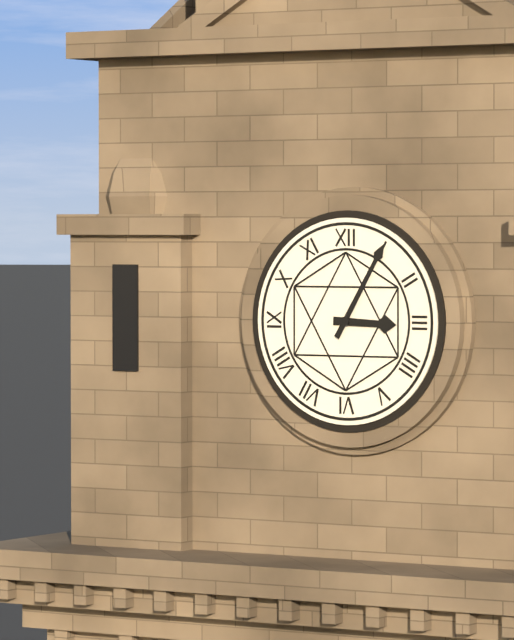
3:05
